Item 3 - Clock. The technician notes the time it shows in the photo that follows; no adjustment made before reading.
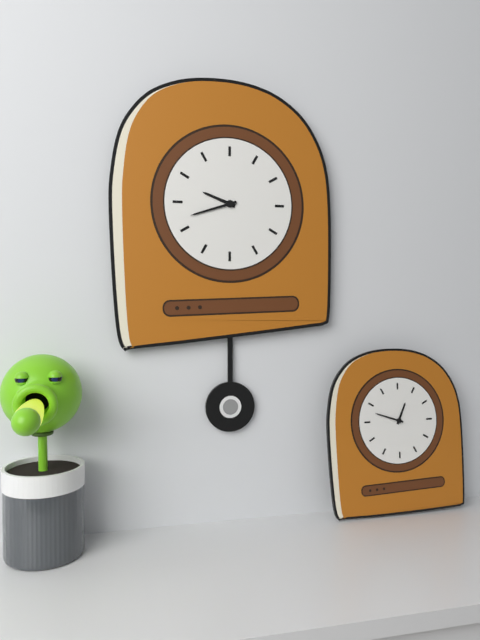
9:42
